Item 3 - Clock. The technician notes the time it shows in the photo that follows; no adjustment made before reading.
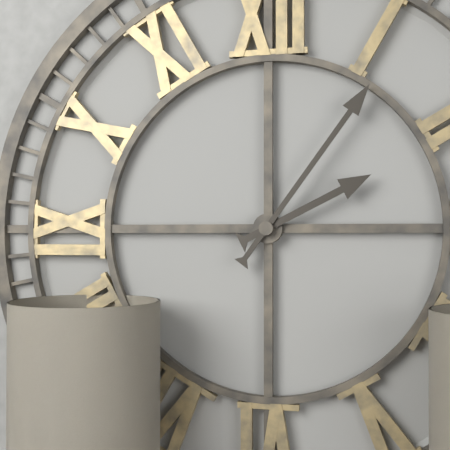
2:06
